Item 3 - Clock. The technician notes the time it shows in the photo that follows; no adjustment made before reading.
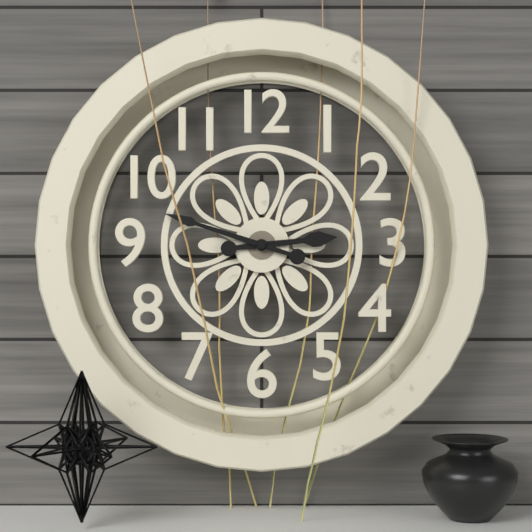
2:48
